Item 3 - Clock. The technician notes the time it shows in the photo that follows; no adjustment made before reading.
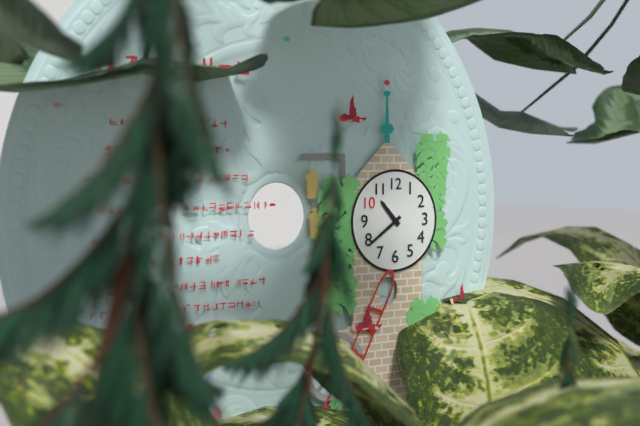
10:39
